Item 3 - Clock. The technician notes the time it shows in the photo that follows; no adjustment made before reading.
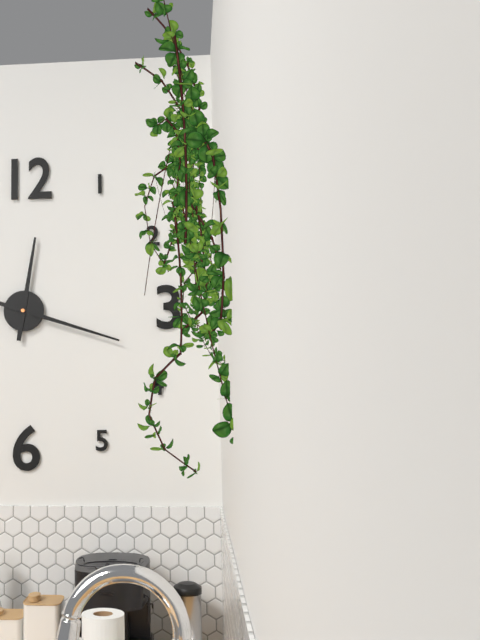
12:18
